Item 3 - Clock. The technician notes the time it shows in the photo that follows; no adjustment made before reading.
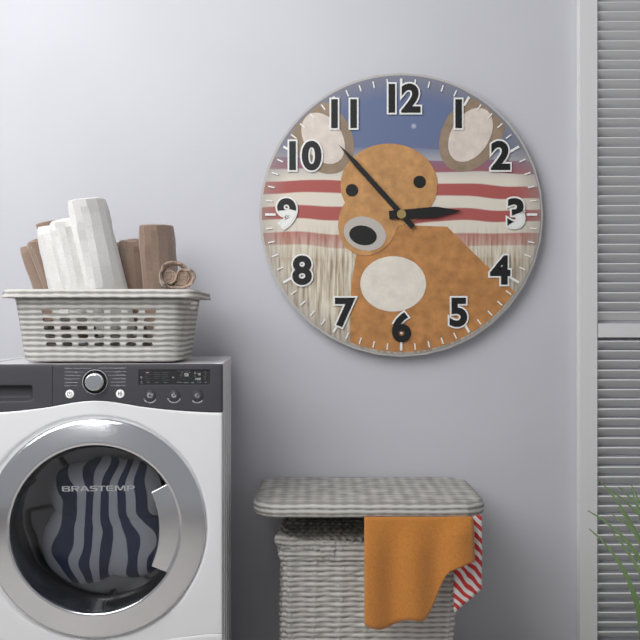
2:53
